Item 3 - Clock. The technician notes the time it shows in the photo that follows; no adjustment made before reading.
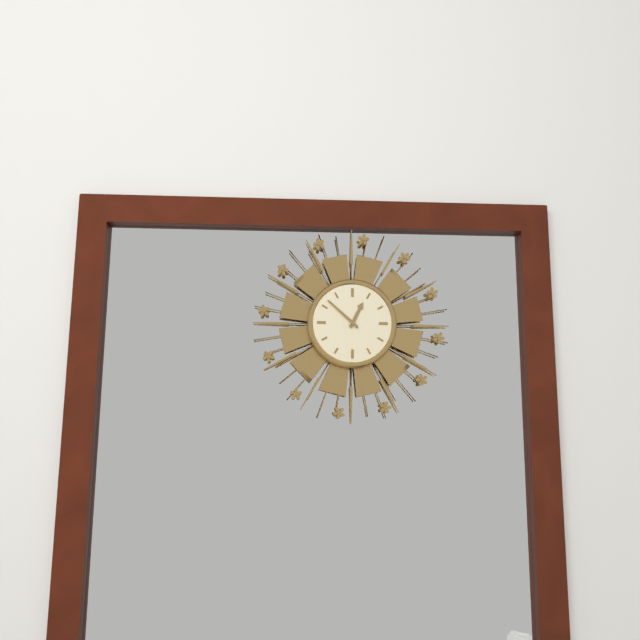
12:52
